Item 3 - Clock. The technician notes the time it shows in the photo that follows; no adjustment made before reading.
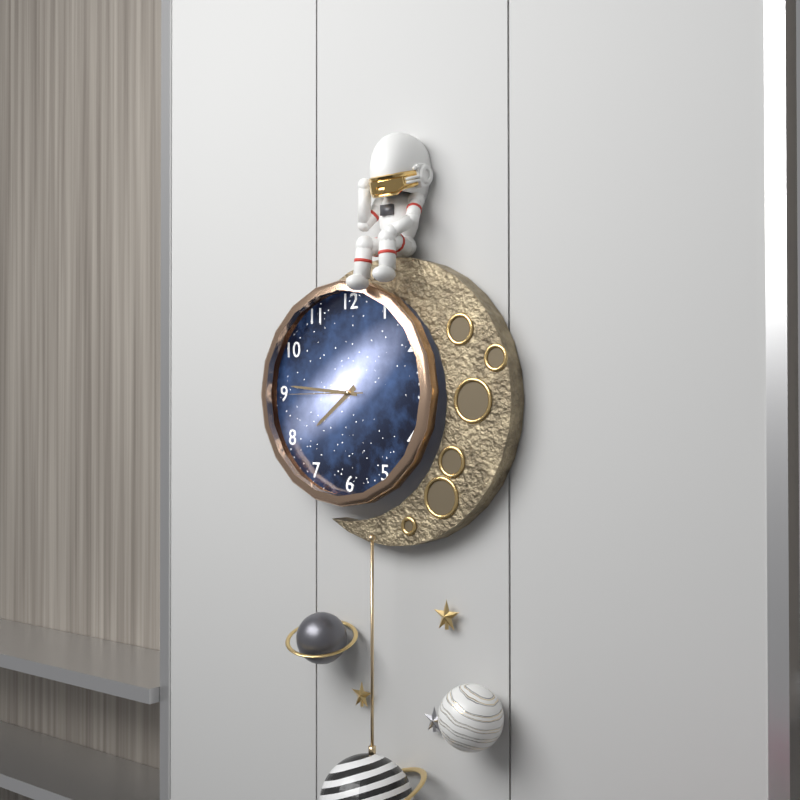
7:46:45
